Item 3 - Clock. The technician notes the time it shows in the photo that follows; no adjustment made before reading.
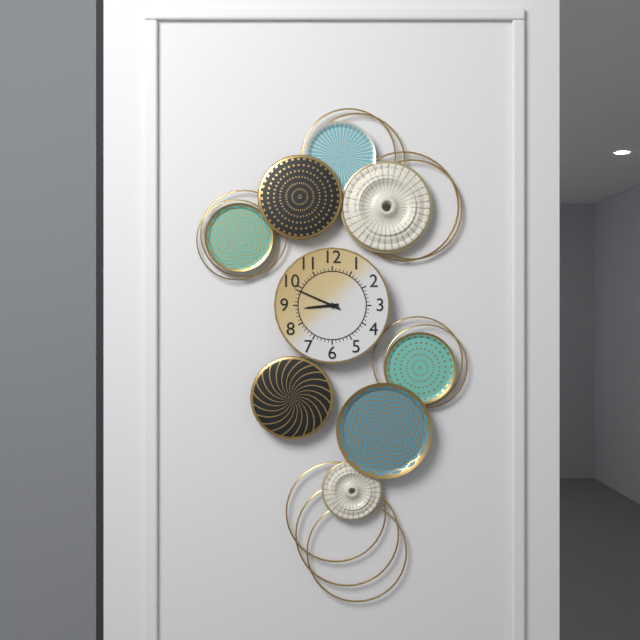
8:49
